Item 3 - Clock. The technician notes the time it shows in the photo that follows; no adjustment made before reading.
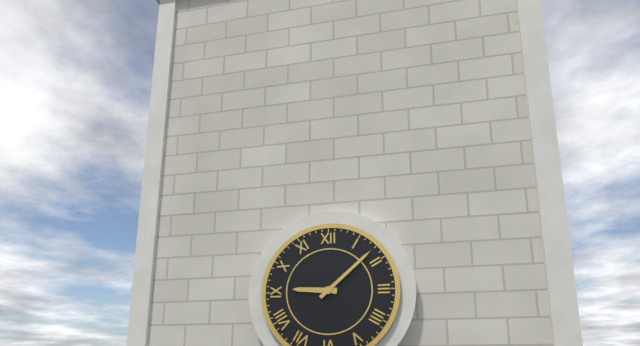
9:08
